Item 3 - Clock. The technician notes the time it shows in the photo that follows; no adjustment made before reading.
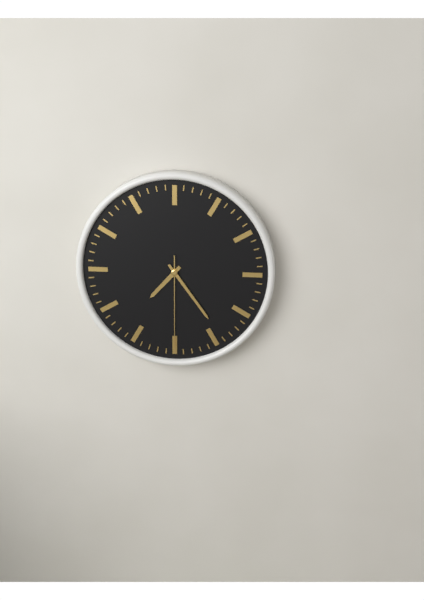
7:24:30
